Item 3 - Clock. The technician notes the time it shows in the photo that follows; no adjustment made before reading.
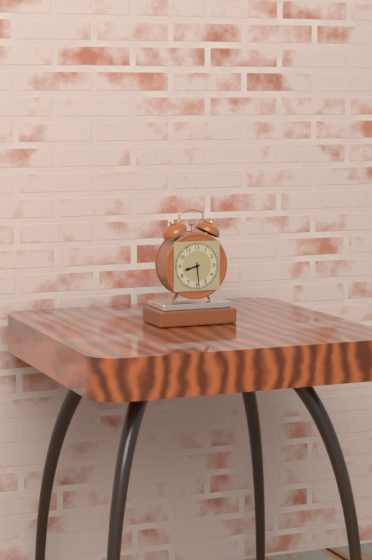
8:29
